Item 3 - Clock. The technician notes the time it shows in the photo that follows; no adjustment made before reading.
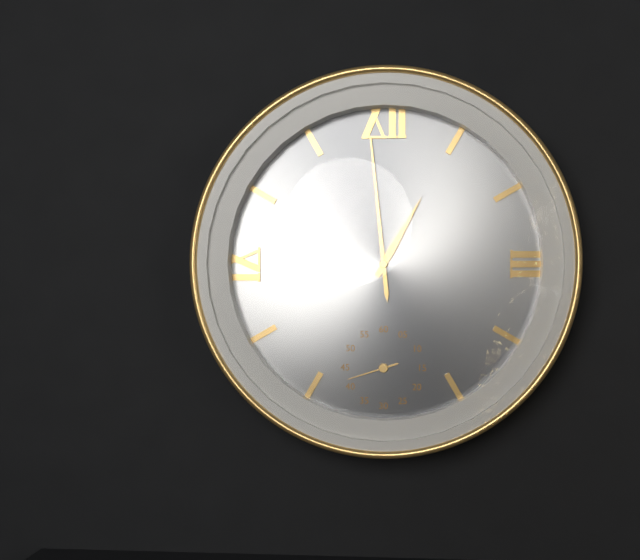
12:59:42
